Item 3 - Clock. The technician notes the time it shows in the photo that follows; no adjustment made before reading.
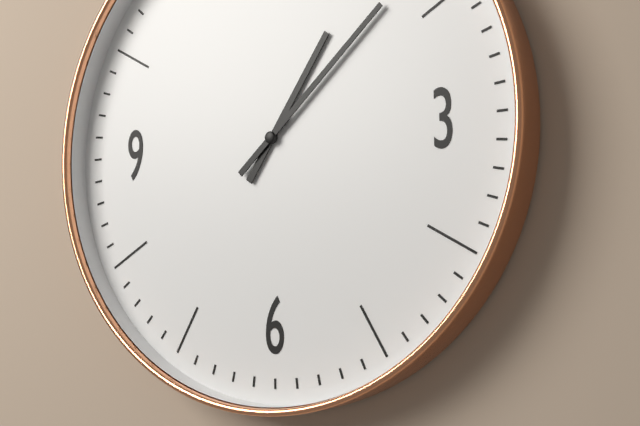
1:08
